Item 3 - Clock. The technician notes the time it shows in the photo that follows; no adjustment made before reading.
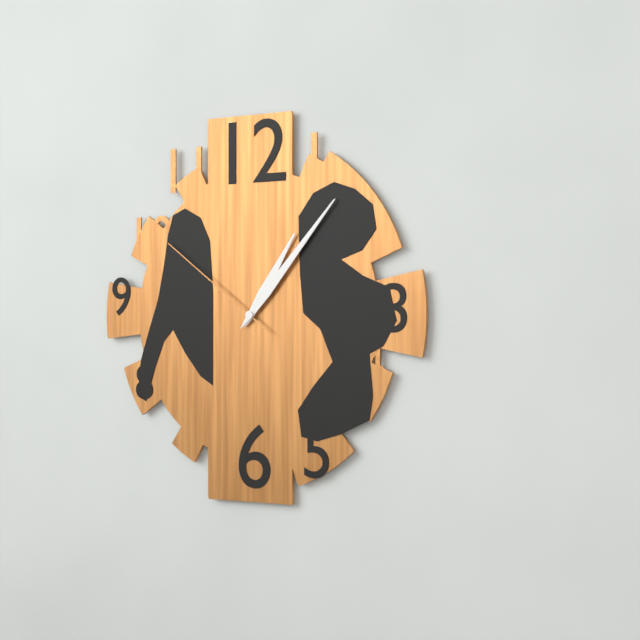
1:07:51
